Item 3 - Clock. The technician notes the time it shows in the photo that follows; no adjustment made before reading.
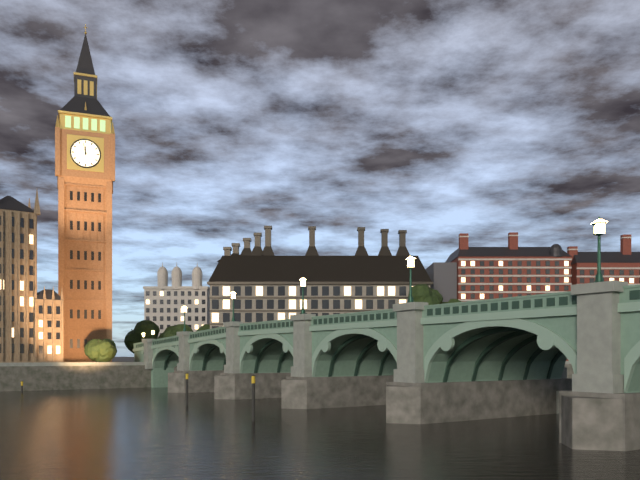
11:58
